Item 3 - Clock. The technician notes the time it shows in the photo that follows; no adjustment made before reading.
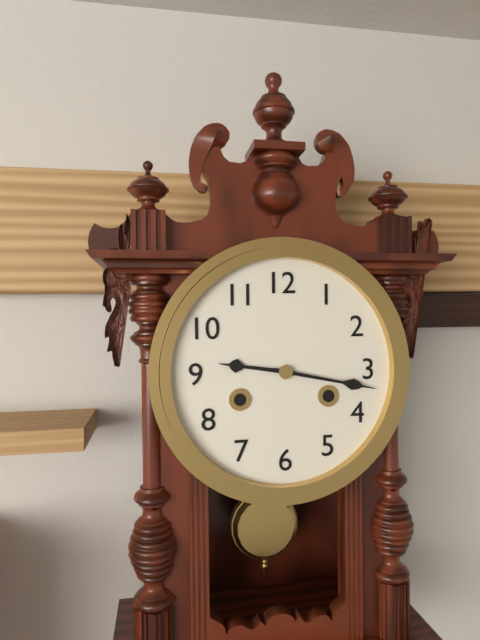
9:17
